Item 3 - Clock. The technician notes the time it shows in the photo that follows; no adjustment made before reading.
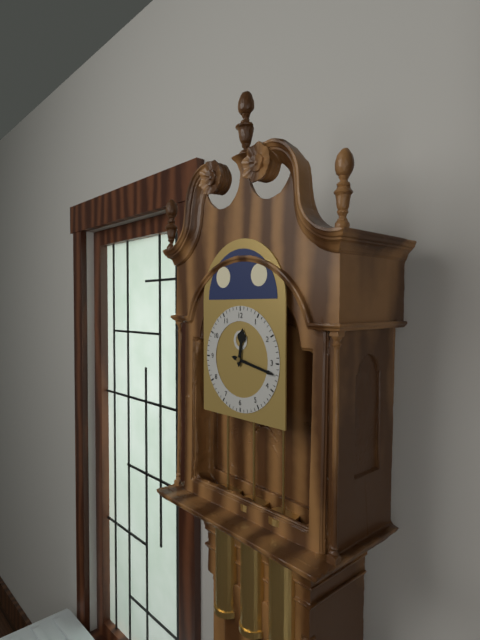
12:17
